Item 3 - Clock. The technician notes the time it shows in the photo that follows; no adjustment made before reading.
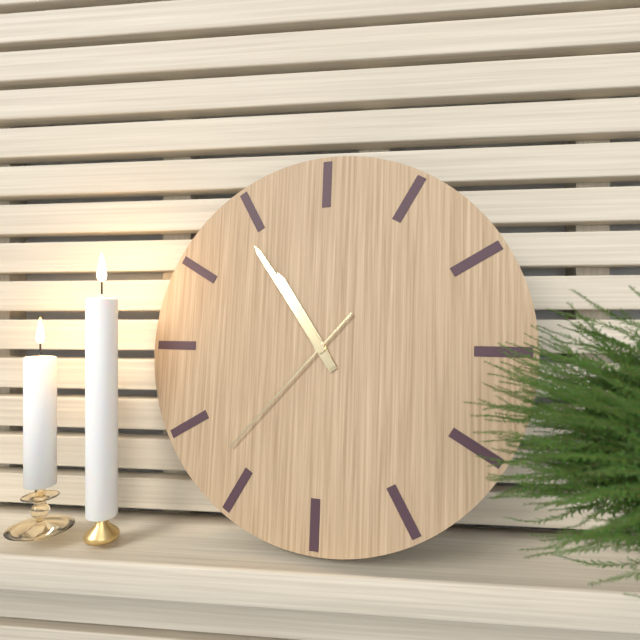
10:54:37
